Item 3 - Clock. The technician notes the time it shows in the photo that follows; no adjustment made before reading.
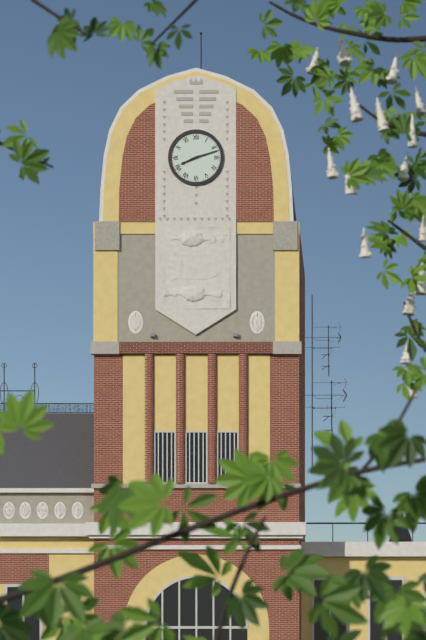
8:12
